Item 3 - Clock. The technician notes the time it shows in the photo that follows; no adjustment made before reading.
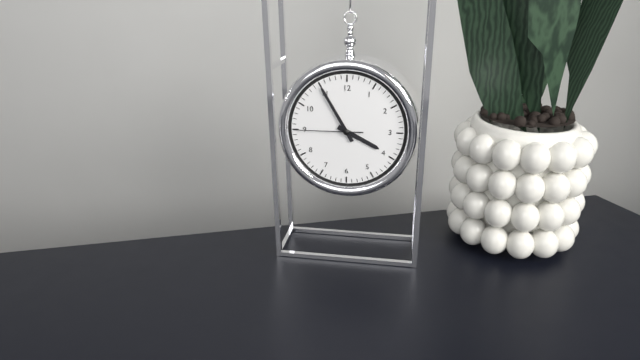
3:55:45
